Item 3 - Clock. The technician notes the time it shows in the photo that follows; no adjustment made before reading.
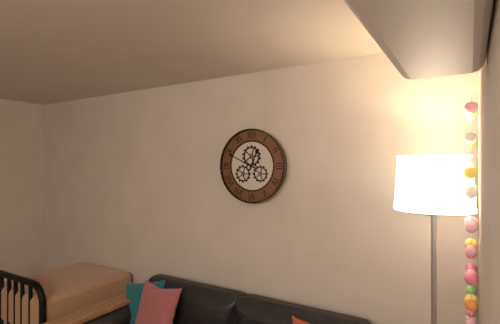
12:49
